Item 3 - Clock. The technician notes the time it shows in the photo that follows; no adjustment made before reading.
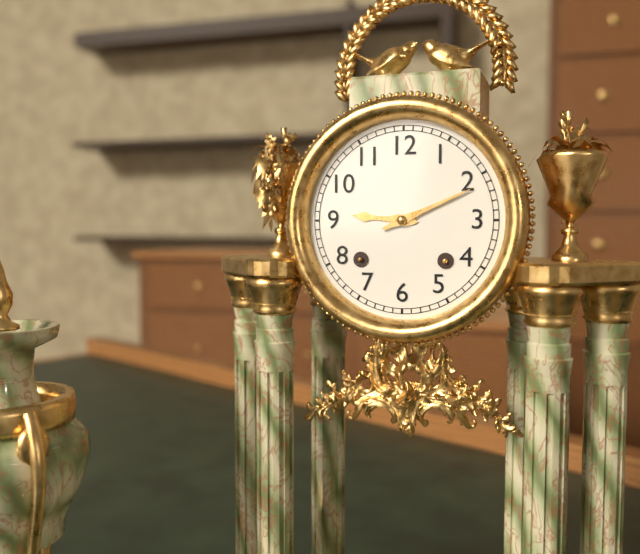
9:11
